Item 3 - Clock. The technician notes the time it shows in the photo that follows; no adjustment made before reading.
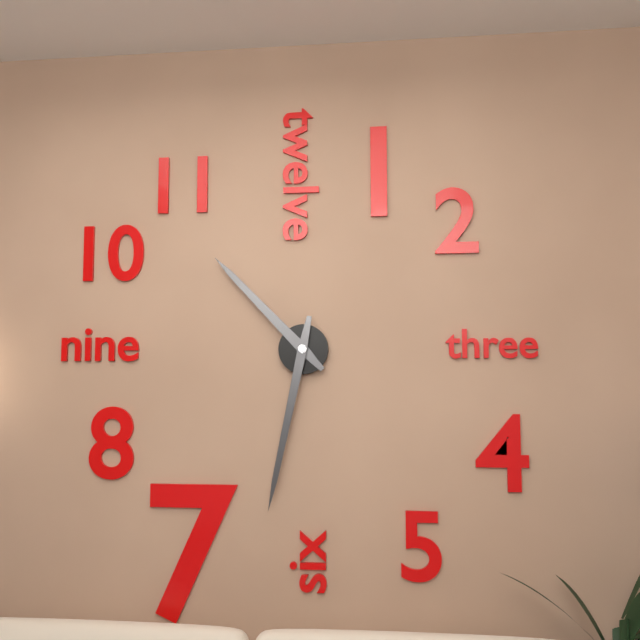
10:32
